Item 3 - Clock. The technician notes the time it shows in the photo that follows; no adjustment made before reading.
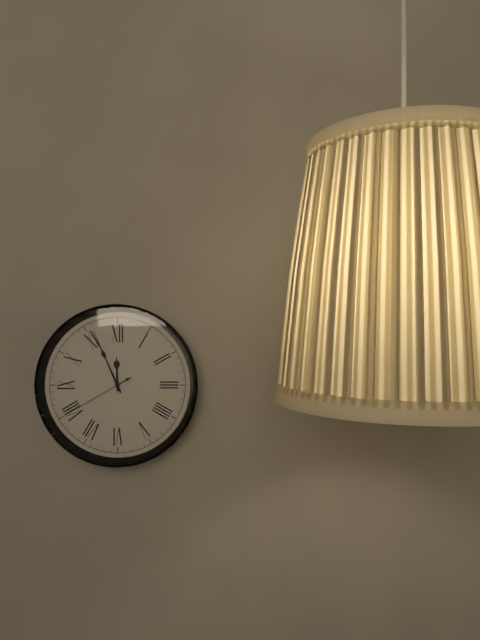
11:56:40
